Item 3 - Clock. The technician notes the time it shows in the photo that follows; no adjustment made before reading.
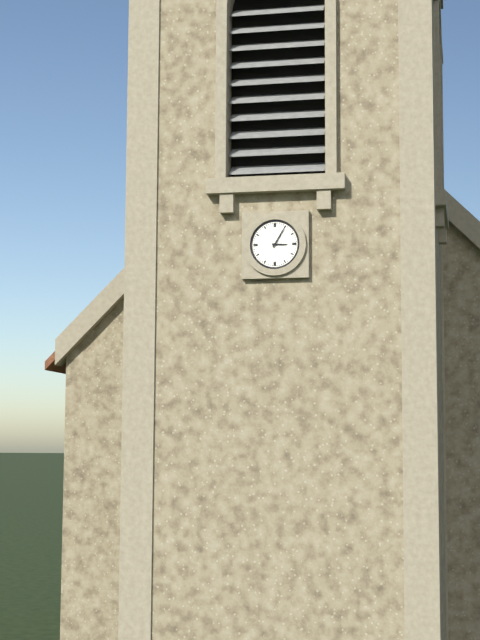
3:05
